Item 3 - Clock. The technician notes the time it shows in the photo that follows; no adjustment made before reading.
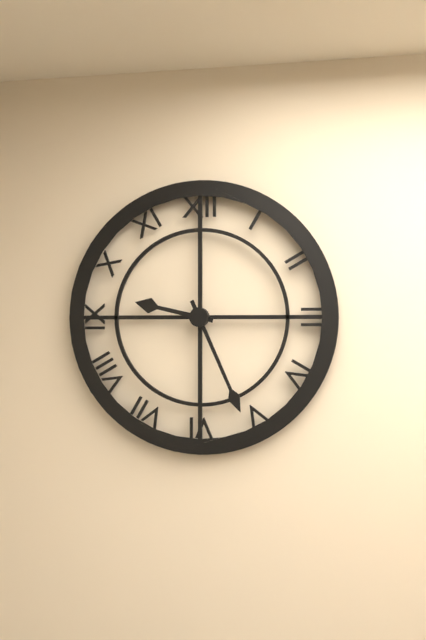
9:26
